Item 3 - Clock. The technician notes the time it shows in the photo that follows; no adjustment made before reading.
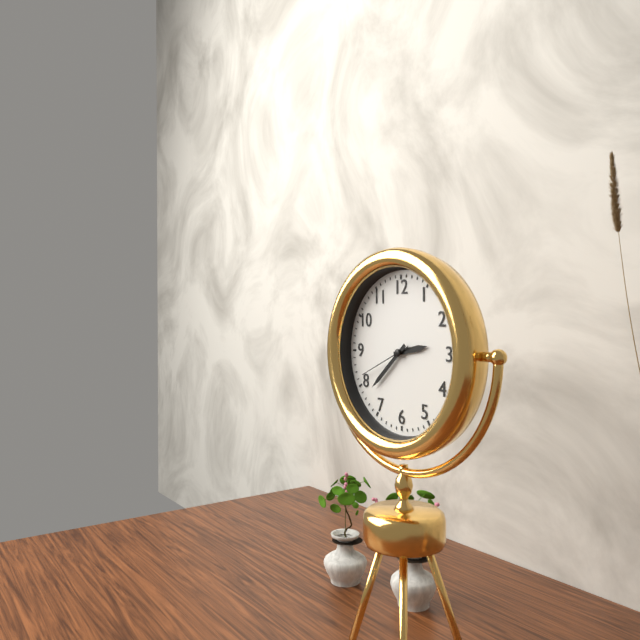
2:38
